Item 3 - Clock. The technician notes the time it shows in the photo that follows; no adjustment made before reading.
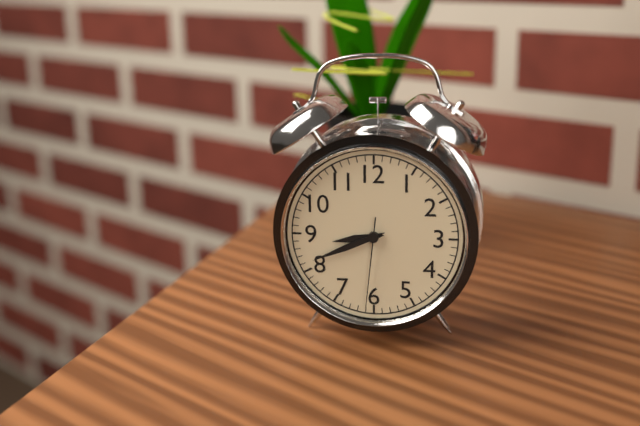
8:41:31
